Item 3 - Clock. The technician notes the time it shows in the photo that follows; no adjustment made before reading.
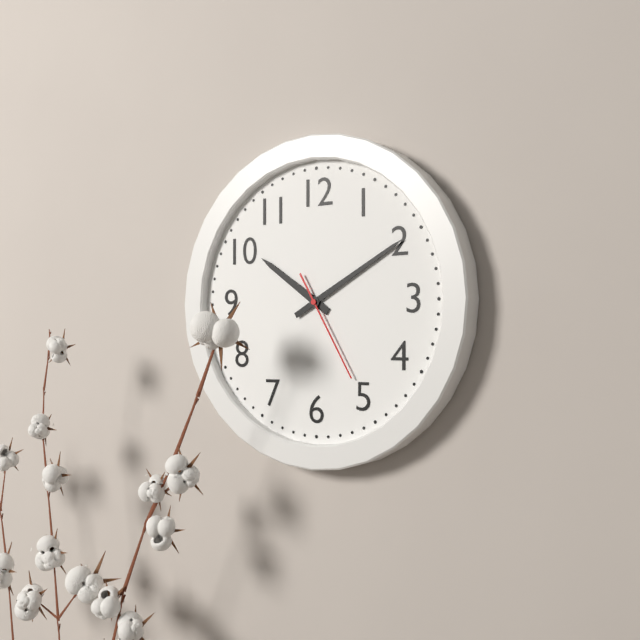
10:10:25
